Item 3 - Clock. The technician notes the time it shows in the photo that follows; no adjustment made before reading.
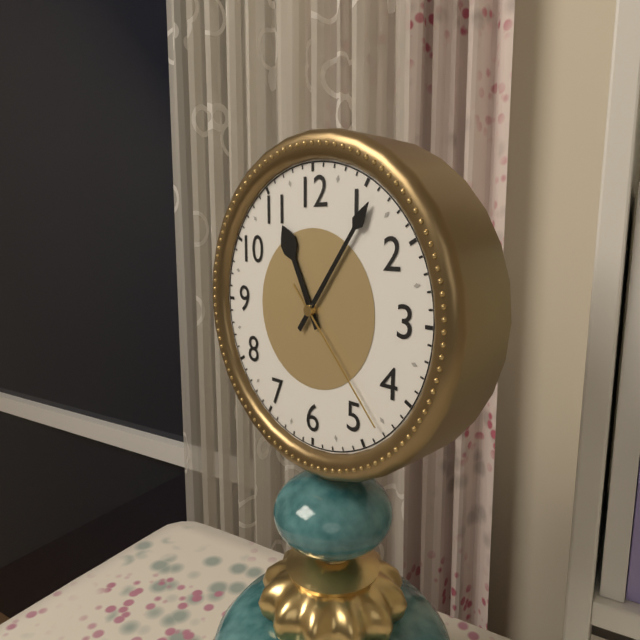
11:06:23
